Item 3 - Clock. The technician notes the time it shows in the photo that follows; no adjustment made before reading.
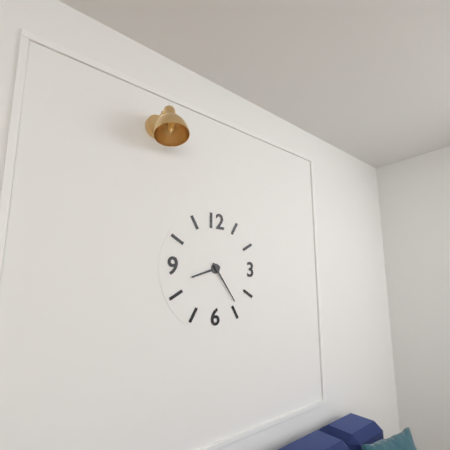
8:24
